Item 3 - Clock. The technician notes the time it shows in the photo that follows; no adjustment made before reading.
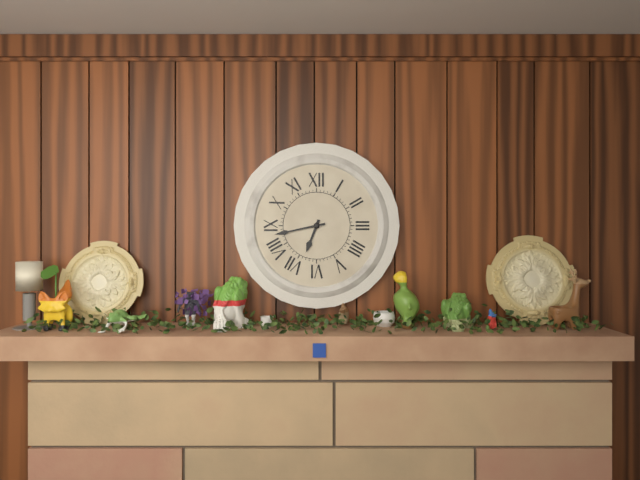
6:43
